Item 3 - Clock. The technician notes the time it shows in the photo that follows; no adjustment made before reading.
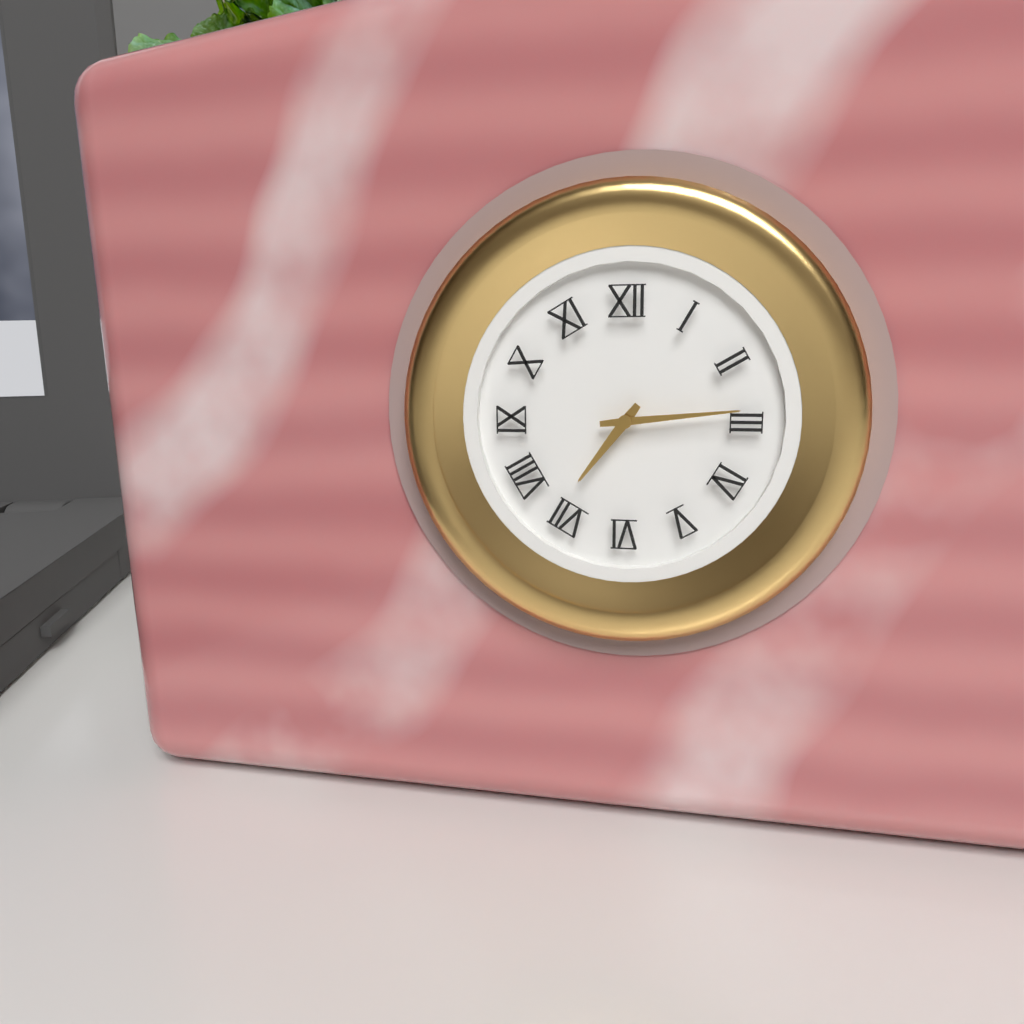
7:14
